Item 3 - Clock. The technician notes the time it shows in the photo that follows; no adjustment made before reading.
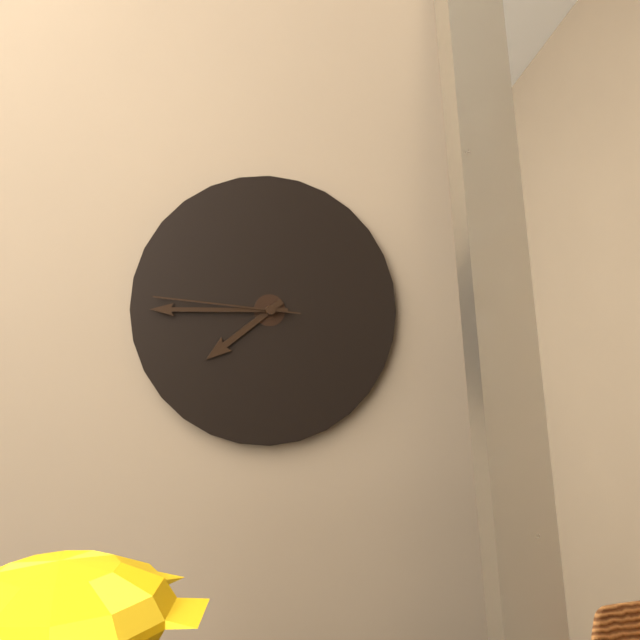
7:45:46
